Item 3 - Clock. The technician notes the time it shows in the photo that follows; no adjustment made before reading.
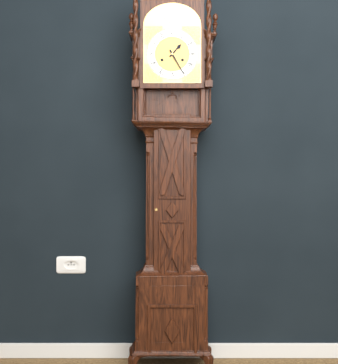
1:25
